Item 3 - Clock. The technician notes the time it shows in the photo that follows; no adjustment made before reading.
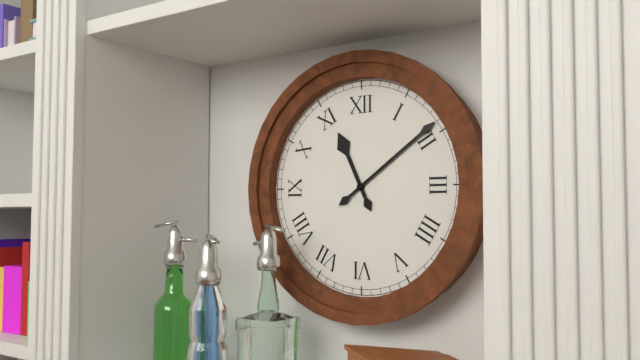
11:09
